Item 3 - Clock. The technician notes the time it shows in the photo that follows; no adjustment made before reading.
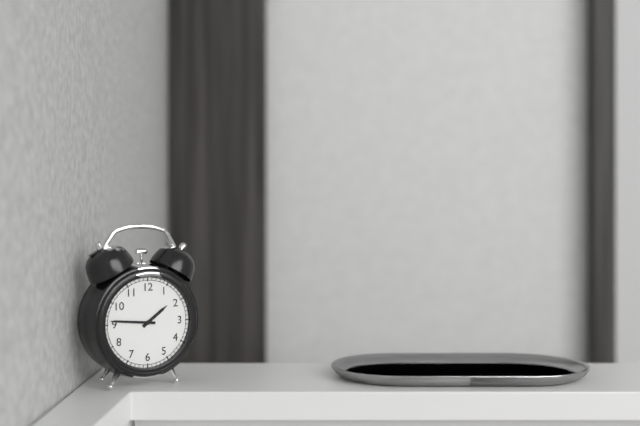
1:46
